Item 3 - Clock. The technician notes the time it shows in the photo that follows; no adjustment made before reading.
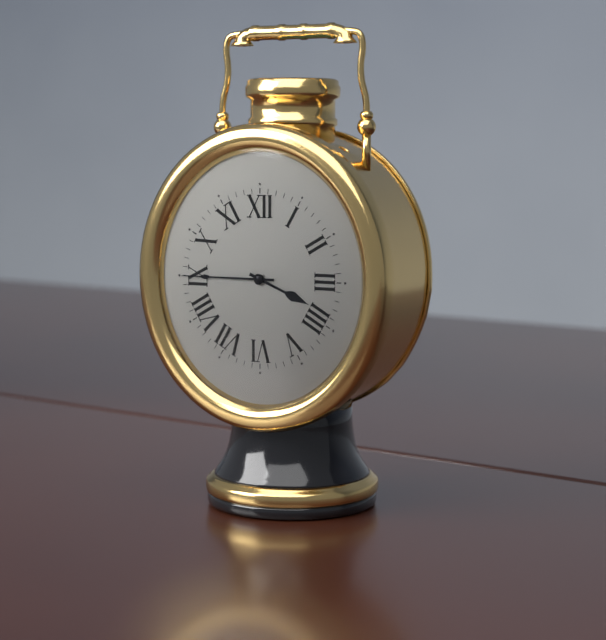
3:45
